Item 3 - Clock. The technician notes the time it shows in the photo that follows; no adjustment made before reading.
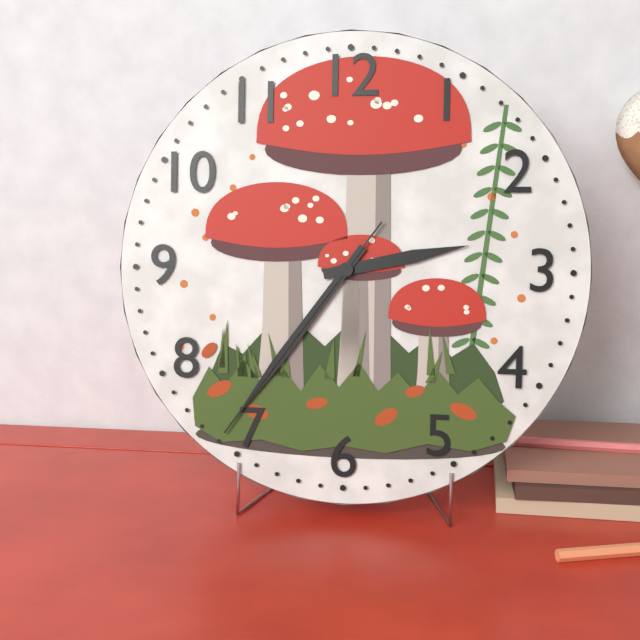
2:36:36
